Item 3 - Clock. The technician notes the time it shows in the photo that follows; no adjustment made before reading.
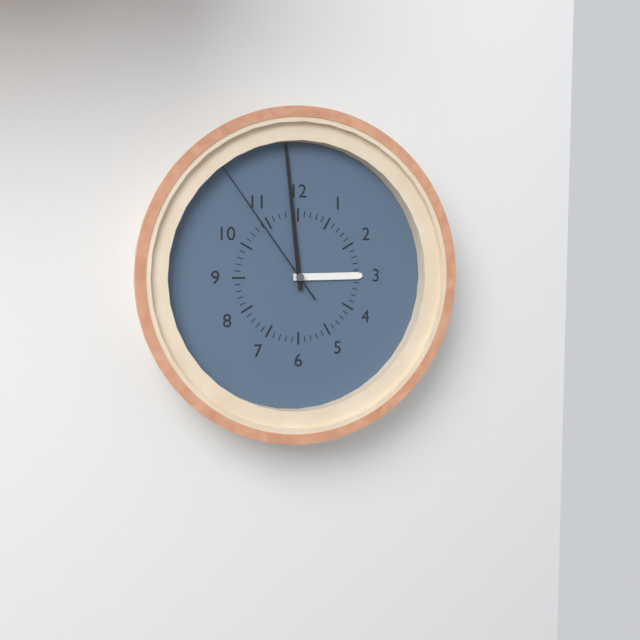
2:59:54
